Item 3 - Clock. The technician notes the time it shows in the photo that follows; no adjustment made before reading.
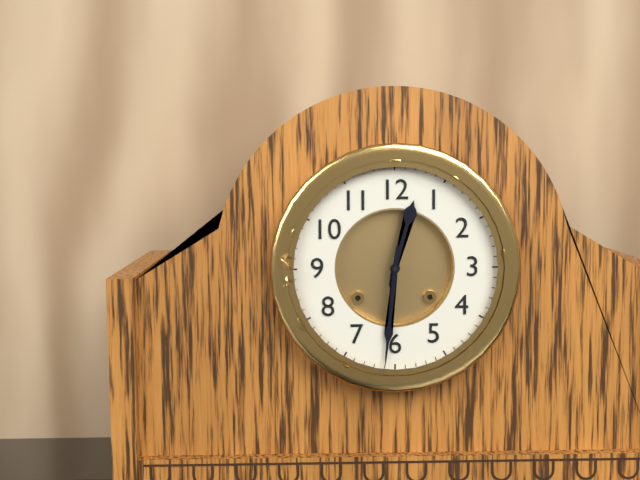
12:31
